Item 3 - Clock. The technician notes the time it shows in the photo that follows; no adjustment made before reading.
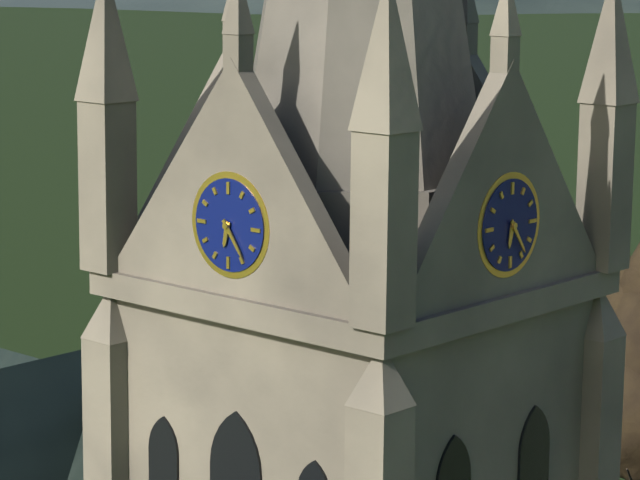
6:24
